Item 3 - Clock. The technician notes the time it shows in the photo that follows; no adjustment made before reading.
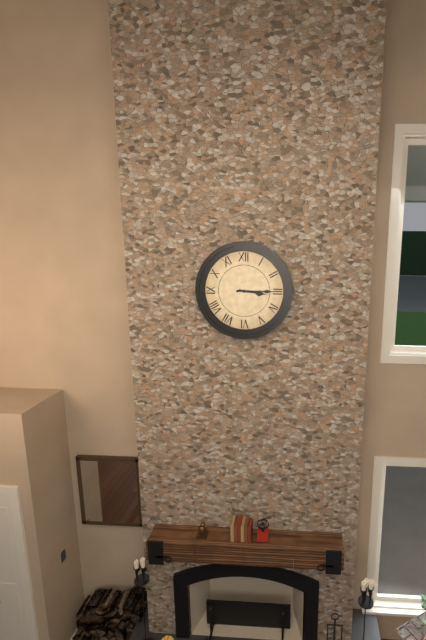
3:15
